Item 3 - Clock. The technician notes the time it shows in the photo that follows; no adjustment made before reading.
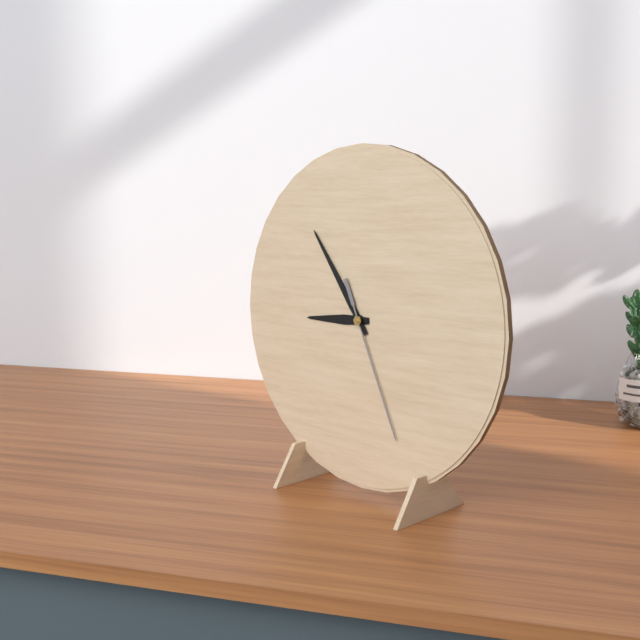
8:54:26
